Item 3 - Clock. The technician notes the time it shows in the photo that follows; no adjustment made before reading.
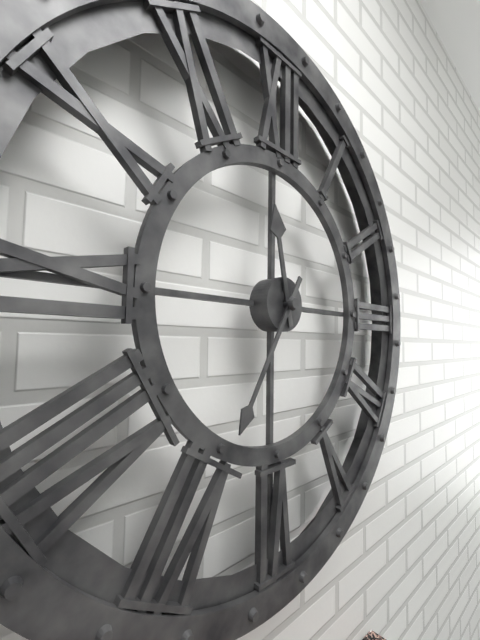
11:35
